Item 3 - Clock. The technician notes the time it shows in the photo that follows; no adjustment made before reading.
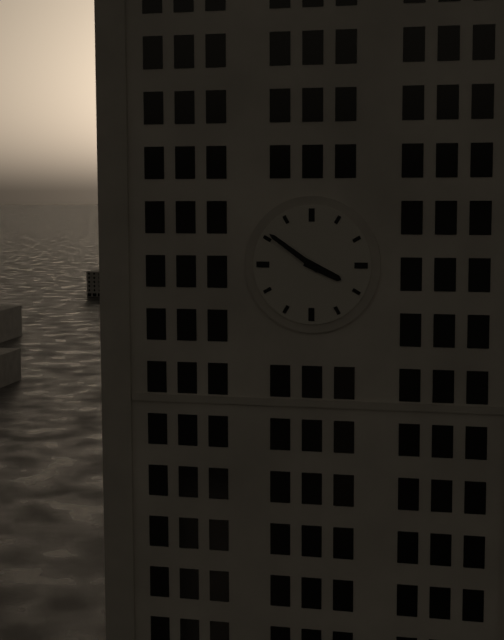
3:51
